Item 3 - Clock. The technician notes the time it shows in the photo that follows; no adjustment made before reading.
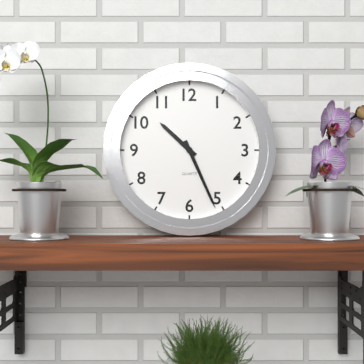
10:26
